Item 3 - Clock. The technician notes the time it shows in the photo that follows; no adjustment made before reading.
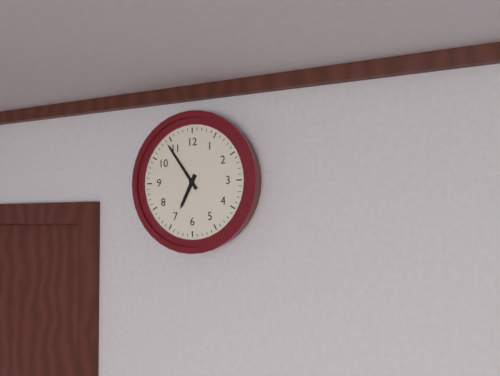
6:54
